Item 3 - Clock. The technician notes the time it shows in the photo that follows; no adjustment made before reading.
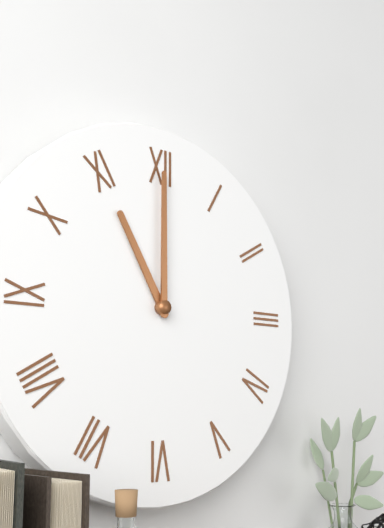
11:00
